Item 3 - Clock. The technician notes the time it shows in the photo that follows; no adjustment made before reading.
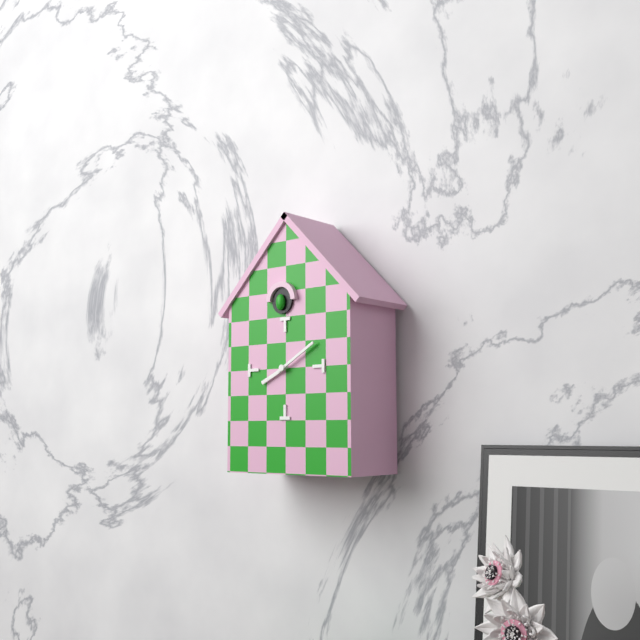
8:10
